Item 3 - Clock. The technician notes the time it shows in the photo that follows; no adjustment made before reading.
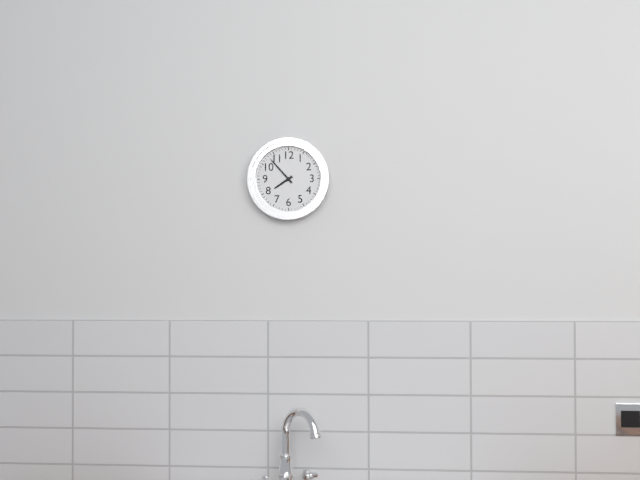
7:53
